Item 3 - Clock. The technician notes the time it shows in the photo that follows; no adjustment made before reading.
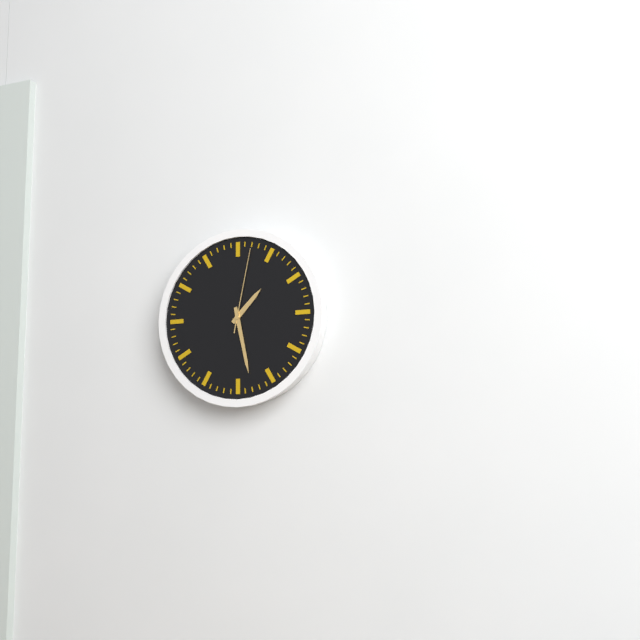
1:28:02
